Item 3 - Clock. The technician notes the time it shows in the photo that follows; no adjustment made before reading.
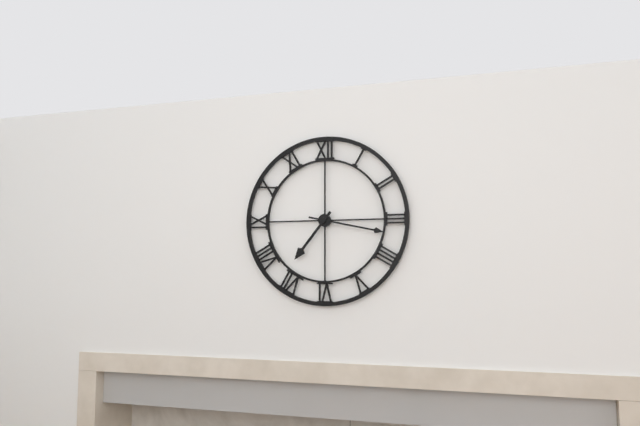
7:17
